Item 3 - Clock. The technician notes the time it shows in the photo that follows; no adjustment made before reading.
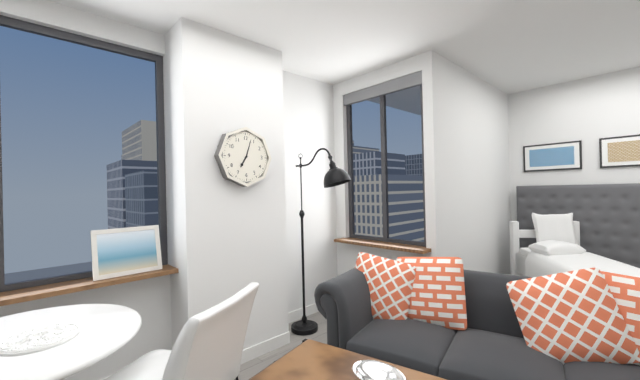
7:03
